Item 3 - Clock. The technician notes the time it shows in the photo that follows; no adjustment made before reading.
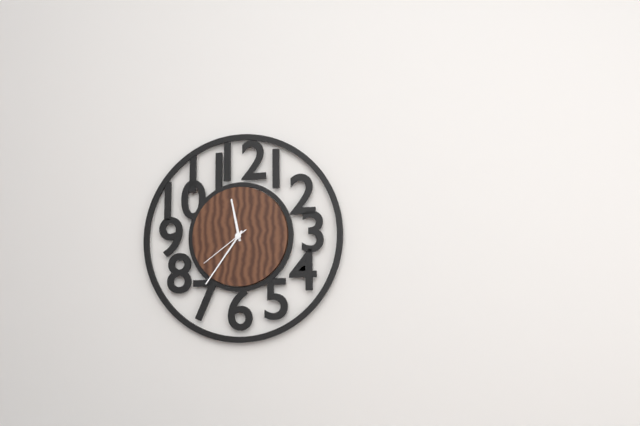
11:36:39
